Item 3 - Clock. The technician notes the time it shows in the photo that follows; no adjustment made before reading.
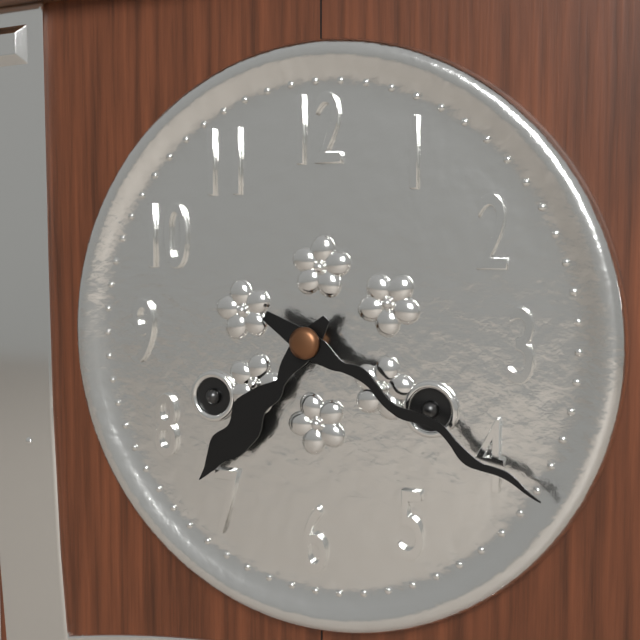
7:20
